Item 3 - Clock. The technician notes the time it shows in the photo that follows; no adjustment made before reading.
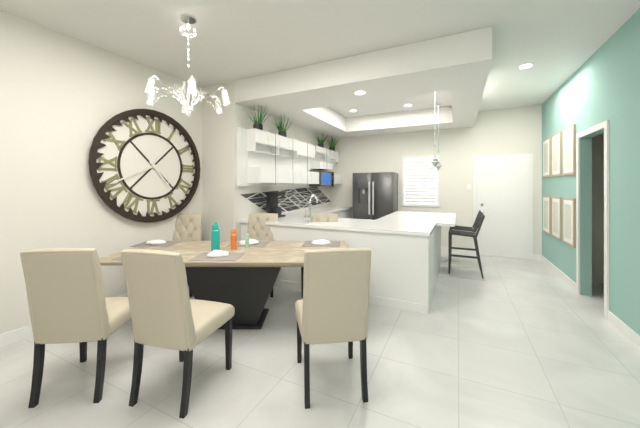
4:41
